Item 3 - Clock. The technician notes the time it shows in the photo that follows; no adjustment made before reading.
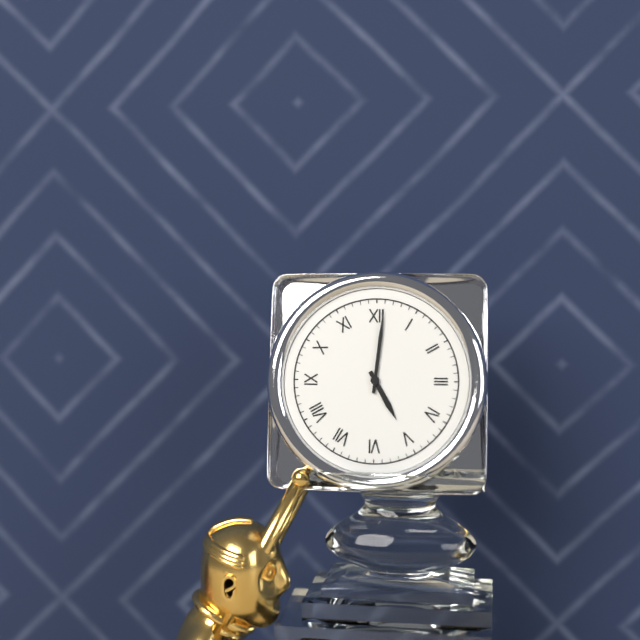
5:01
